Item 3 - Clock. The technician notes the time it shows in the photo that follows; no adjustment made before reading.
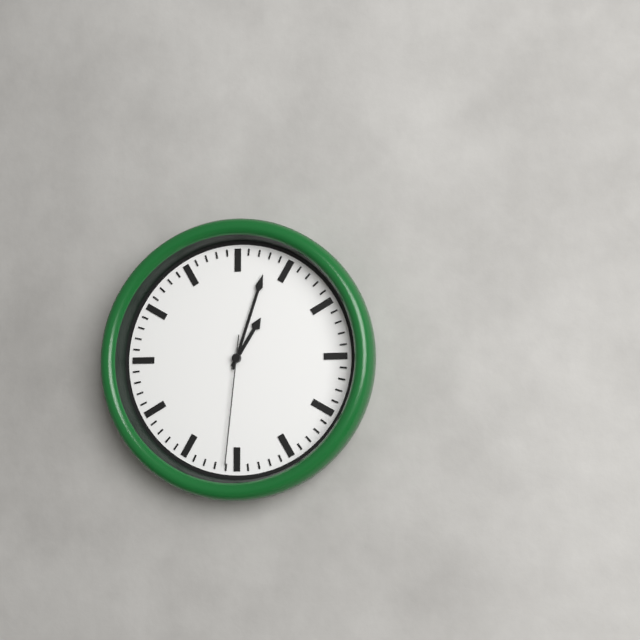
1:03:31
